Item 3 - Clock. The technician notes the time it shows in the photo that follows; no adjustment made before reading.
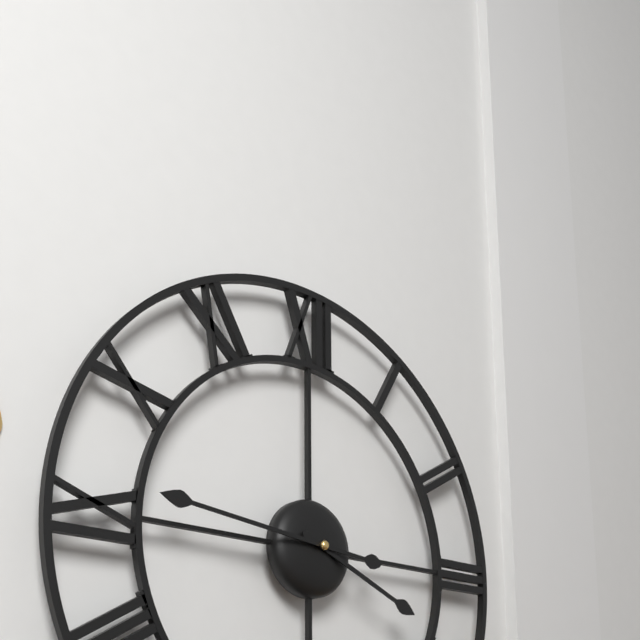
3:46
